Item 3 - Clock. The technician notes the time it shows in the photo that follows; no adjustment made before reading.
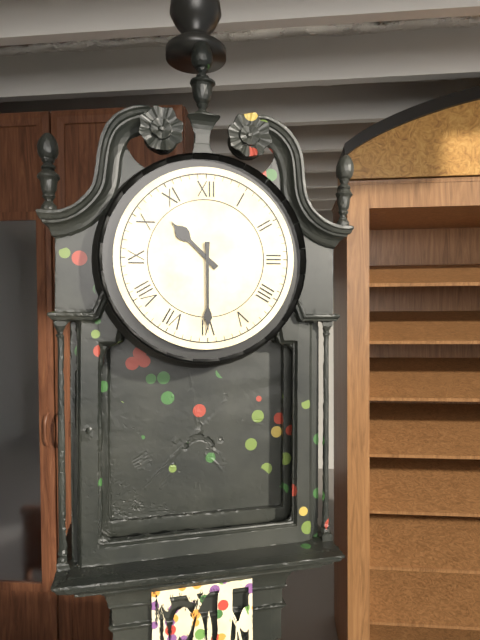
10:30
